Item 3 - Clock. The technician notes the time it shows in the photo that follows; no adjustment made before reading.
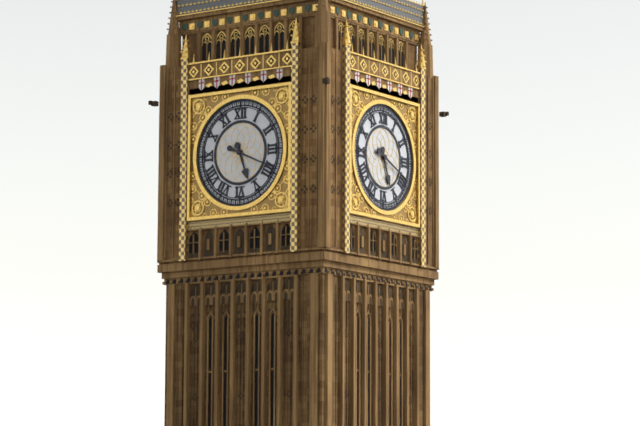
5:19
